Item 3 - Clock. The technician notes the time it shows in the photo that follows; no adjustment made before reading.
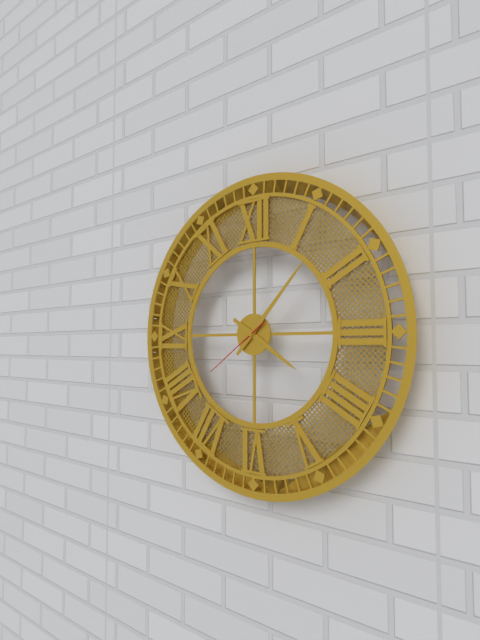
4:07:39
